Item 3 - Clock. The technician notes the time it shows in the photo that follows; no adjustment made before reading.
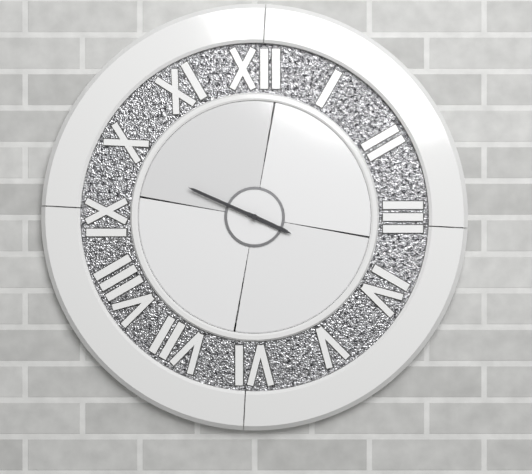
3:49
